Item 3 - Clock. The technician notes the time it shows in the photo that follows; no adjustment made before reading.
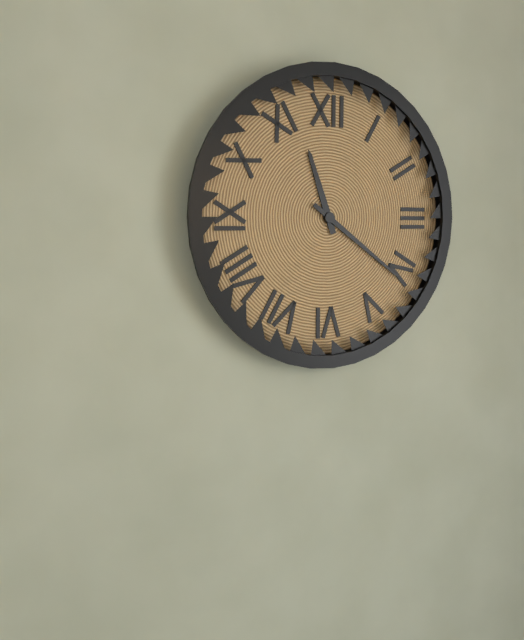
11:21
